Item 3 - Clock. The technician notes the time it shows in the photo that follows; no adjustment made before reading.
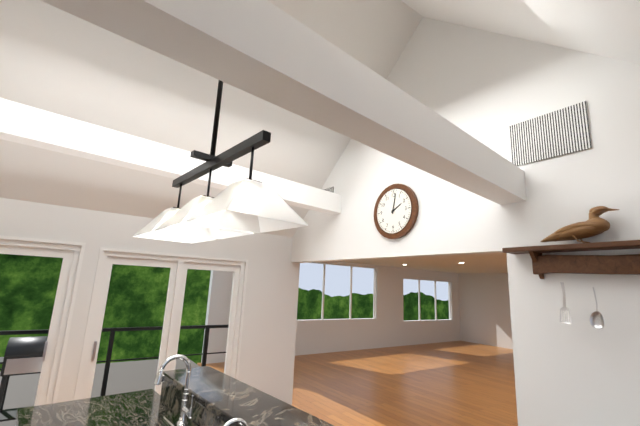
2:02
